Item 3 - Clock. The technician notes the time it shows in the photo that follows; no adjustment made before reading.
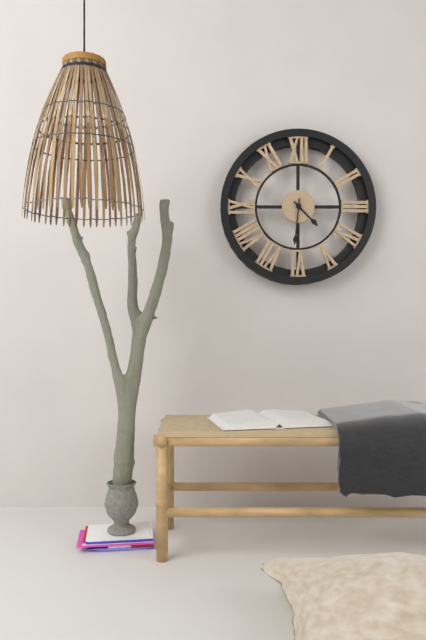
4:31
